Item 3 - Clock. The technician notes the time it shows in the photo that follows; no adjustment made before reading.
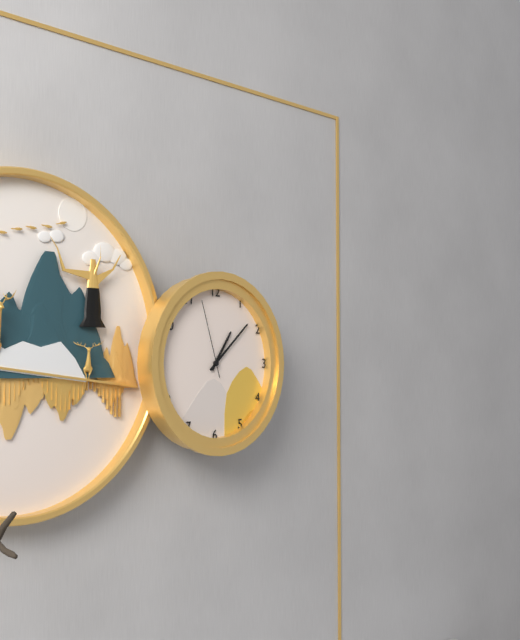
1:08:57
